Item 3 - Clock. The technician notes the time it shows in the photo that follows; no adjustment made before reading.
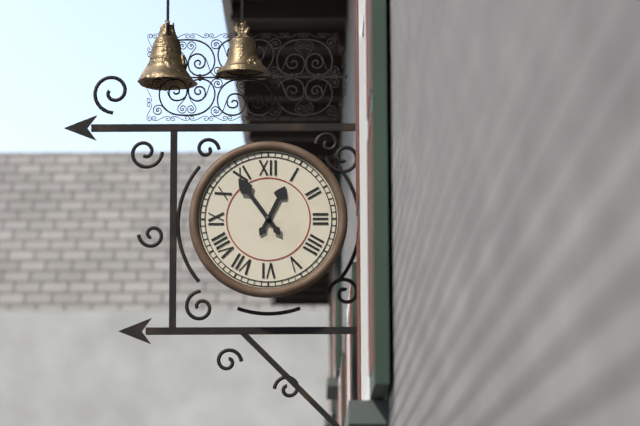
12:54
